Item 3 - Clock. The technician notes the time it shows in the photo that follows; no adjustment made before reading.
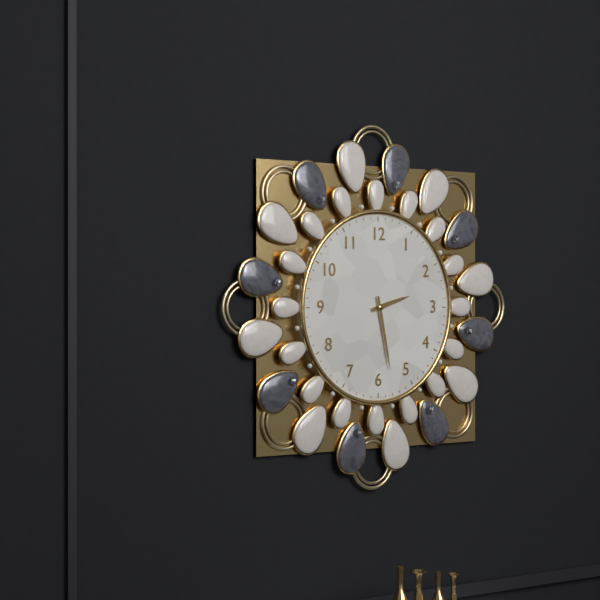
2:28
